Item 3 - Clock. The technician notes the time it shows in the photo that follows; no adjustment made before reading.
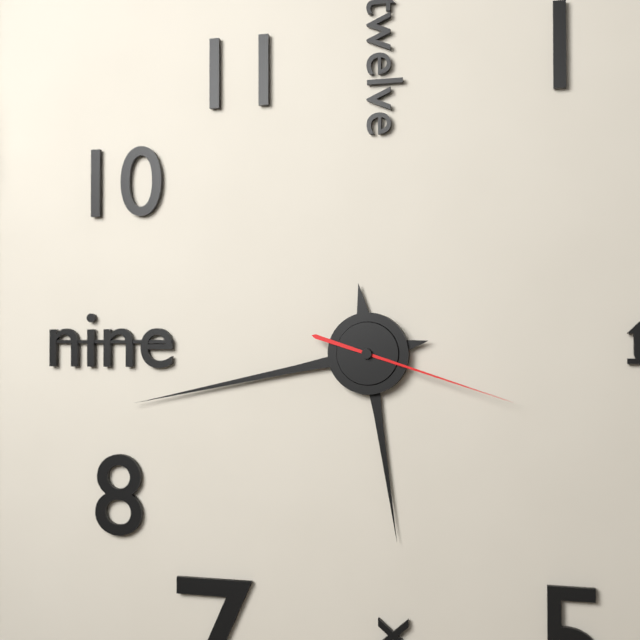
5:43:18
